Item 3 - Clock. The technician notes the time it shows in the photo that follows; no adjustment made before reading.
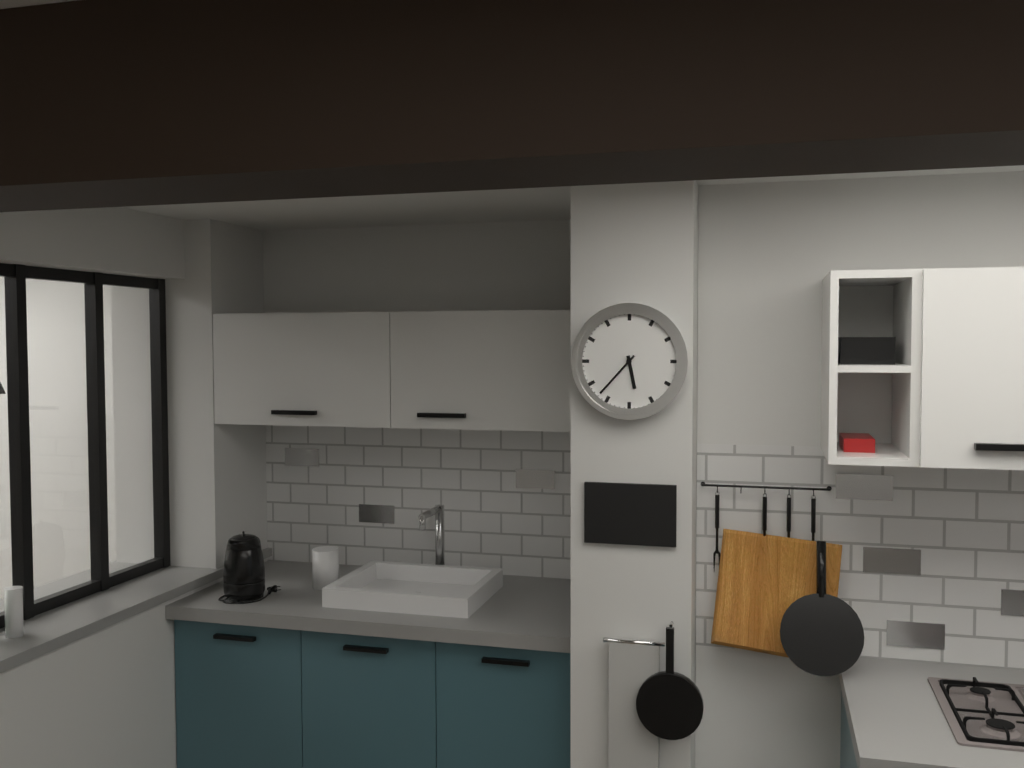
5:37
